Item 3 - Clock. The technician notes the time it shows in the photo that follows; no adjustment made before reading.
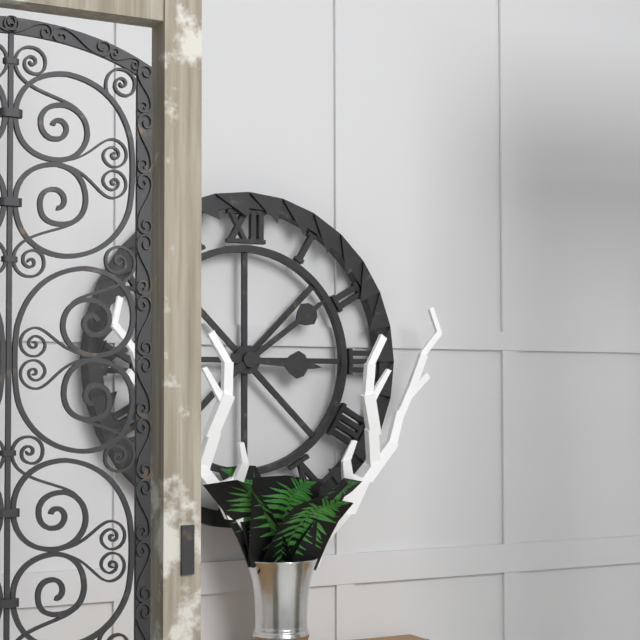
3:09
